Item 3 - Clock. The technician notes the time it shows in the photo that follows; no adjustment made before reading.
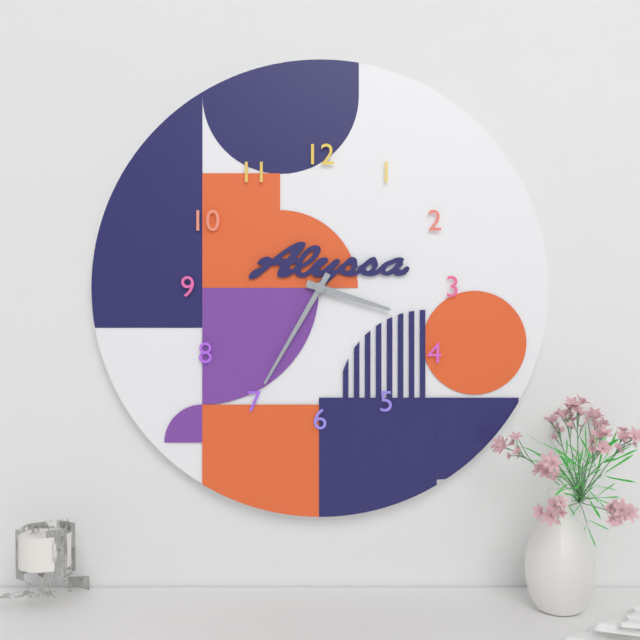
3:35
